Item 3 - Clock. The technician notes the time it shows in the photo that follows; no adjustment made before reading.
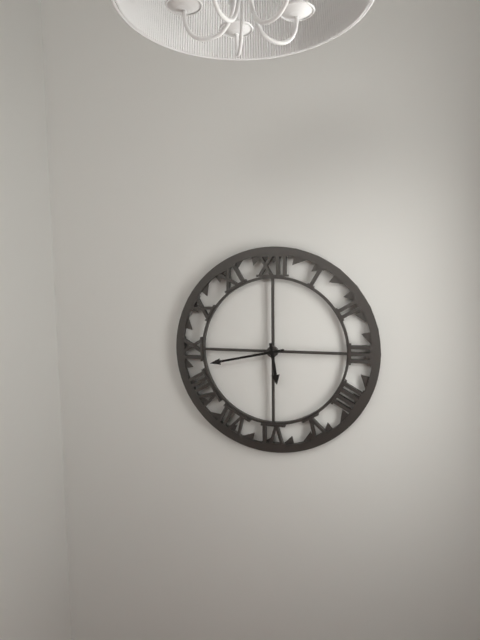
5:43
